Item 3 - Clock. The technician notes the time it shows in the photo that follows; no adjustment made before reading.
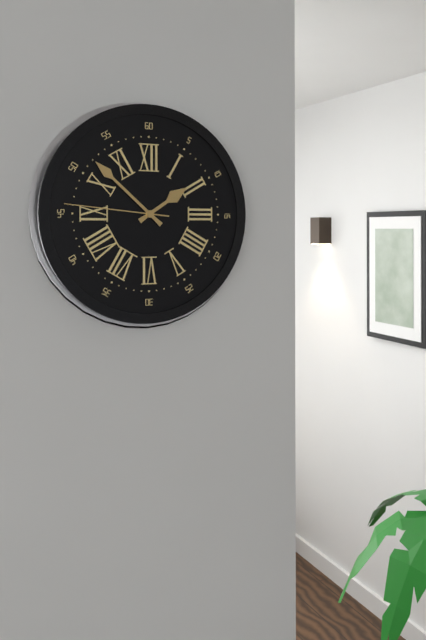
1:52:46
